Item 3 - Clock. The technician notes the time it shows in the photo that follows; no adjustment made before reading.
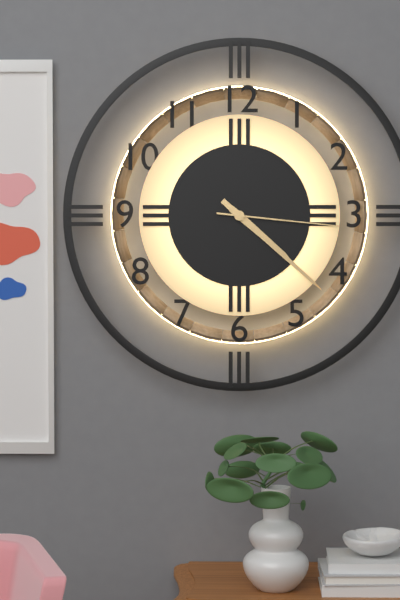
4:22:16
